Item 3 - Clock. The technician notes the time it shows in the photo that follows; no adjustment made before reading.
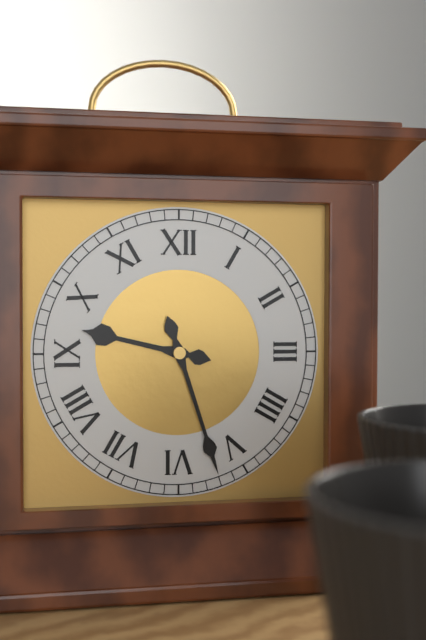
9:27
